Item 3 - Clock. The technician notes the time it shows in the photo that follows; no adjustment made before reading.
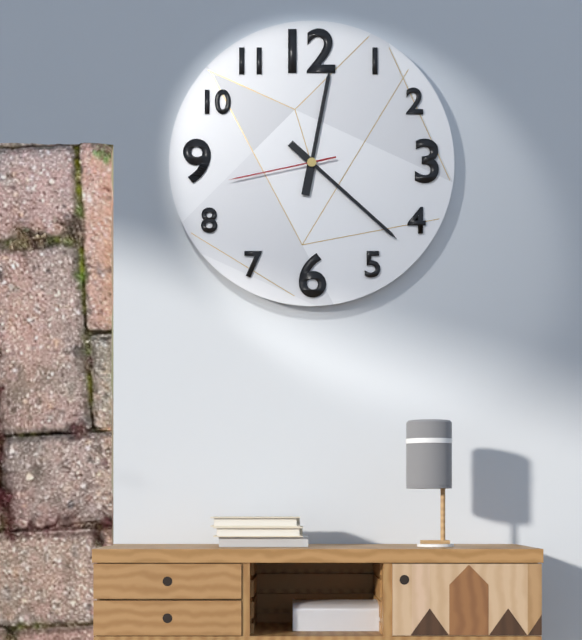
12:22:43
